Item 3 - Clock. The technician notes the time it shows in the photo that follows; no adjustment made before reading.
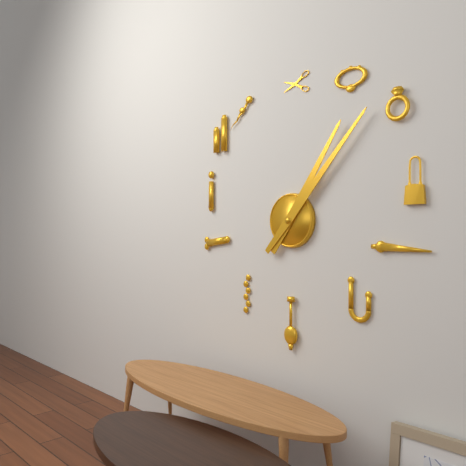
1:07
